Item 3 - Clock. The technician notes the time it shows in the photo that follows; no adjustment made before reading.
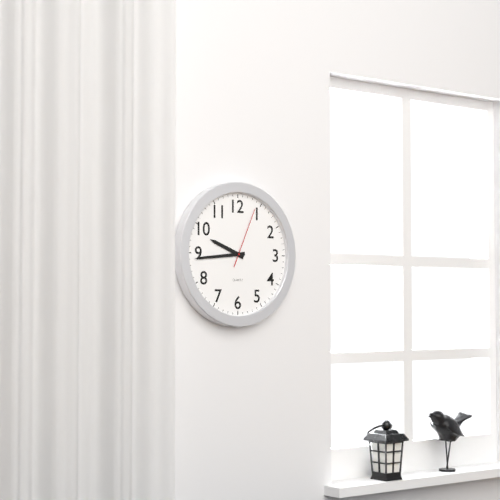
9:44:04
